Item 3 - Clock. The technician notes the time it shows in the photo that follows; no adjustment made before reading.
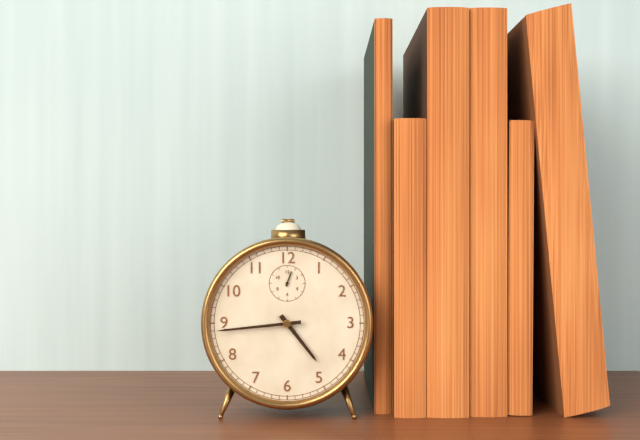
4:44
